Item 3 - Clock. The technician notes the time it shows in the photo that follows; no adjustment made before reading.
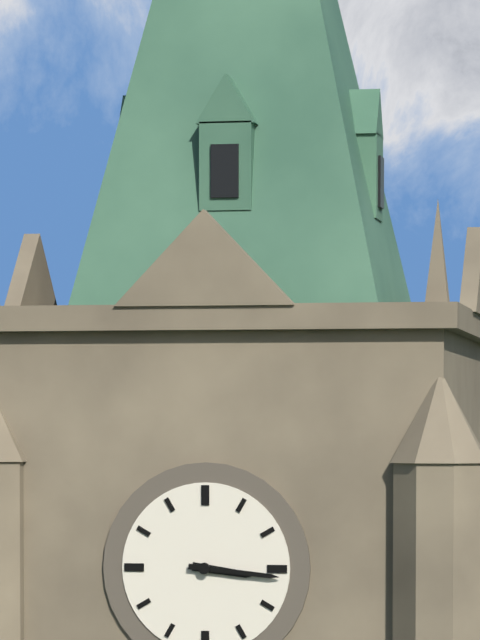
3:16
